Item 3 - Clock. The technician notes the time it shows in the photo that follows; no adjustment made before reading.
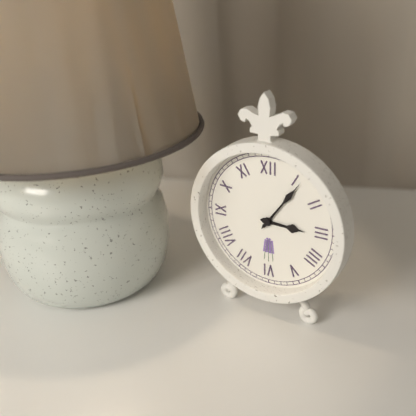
3:06
